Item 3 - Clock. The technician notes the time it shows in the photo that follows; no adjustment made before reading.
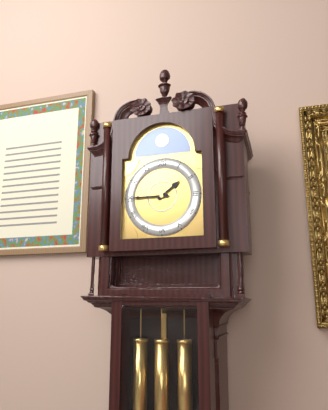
1:45
